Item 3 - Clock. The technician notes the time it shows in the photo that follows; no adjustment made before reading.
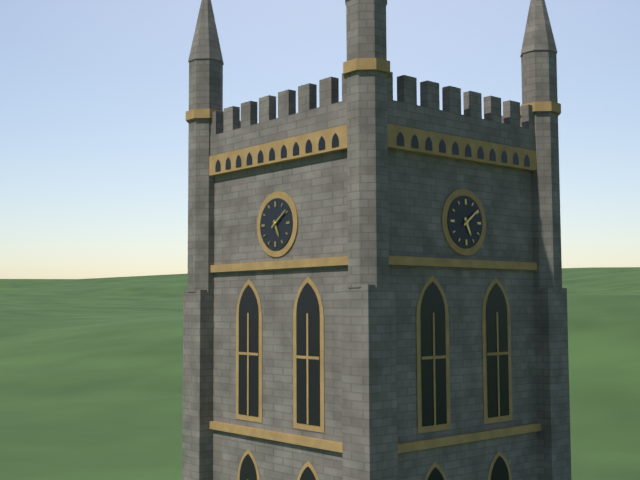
5:09
